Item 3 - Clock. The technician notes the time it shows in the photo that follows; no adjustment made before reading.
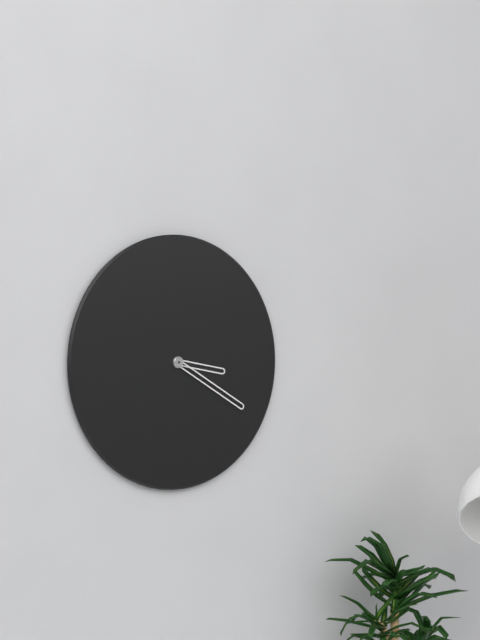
3:20
